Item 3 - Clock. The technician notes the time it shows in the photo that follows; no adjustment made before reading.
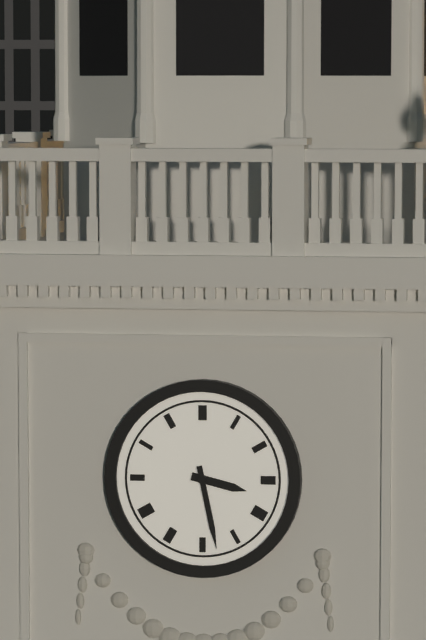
3:28
